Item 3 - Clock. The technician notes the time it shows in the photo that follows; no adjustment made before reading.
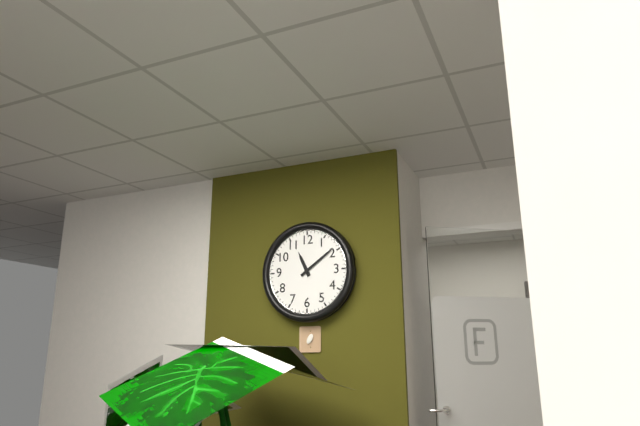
11:09
